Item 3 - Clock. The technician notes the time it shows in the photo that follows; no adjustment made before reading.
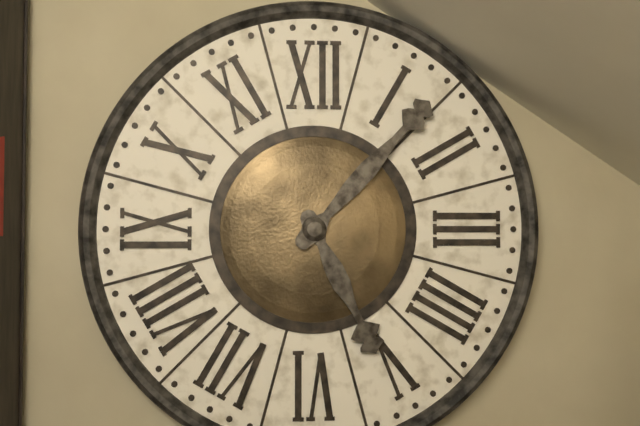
5:07
